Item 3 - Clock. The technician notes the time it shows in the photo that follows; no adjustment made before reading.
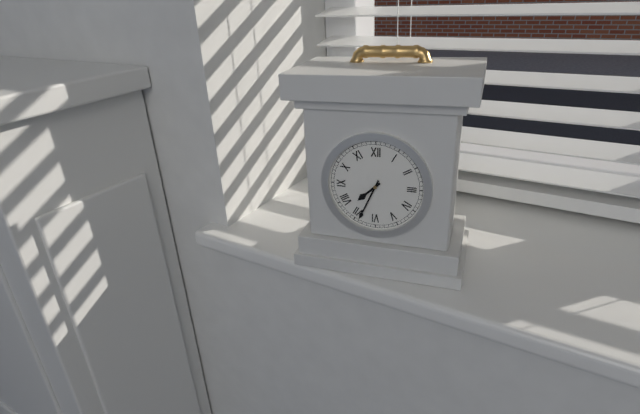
7:34
